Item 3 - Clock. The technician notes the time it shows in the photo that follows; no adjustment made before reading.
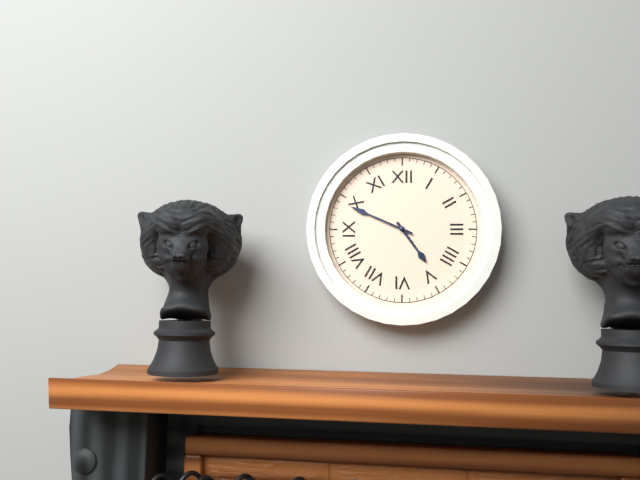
4:49
